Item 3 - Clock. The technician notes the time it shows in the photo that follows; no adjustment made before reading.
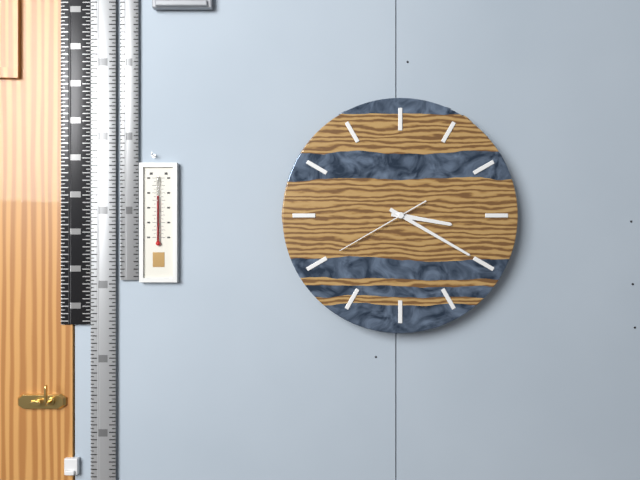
3:20:40
